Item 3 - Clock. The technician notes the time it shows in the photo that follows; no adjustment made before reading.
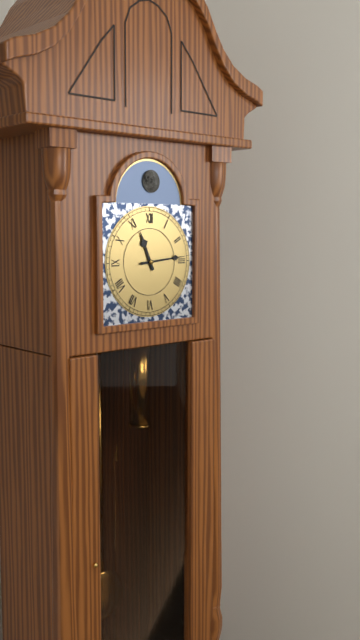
11:14
